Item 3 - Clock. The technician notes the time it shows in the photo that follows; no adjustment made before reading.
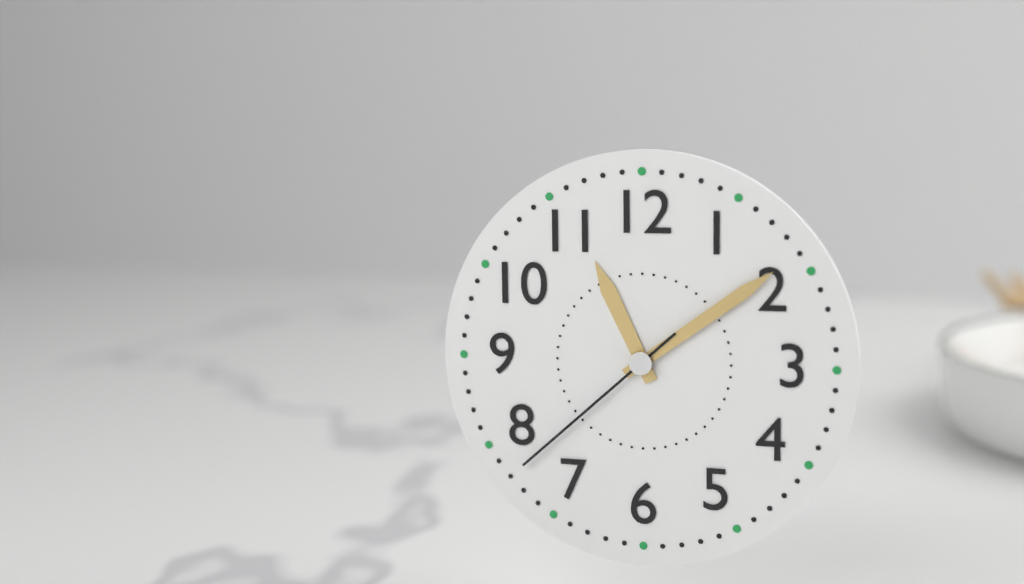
11:09:38
